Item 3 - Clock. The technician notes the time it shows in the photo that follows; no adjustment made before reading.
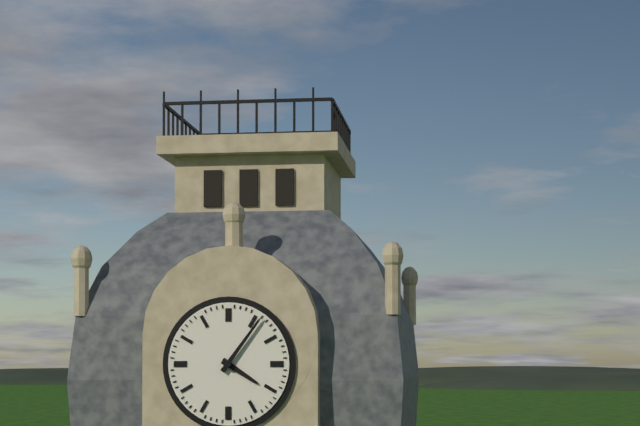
4:06
